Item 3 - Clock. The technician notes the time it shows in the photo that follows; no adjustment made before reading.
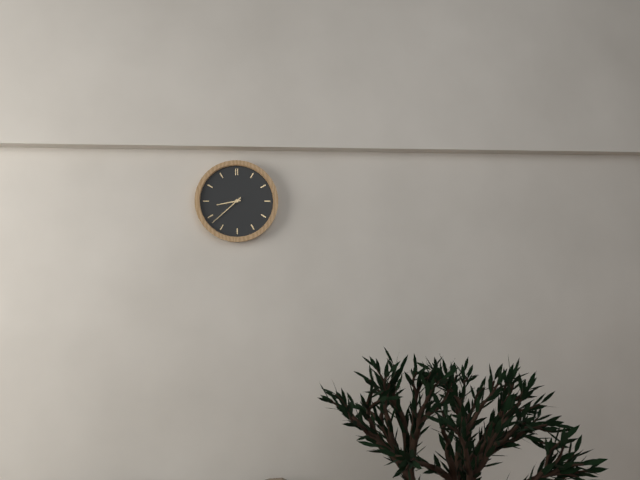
8:38
